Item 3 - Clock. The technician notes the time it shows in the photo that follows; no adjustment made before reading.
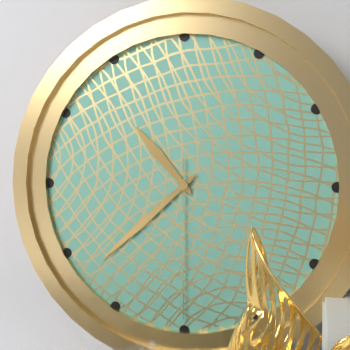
10:38:30
